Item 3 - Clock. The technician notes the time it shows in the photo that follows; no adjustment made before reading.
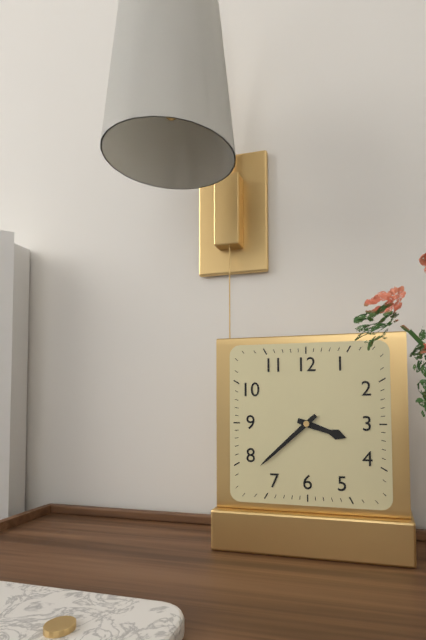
3:38
